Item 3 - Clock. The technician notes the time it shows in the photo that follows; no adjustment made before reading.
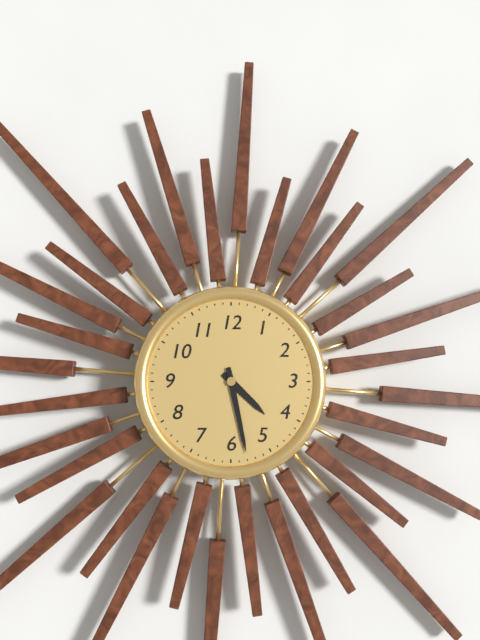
4:28
